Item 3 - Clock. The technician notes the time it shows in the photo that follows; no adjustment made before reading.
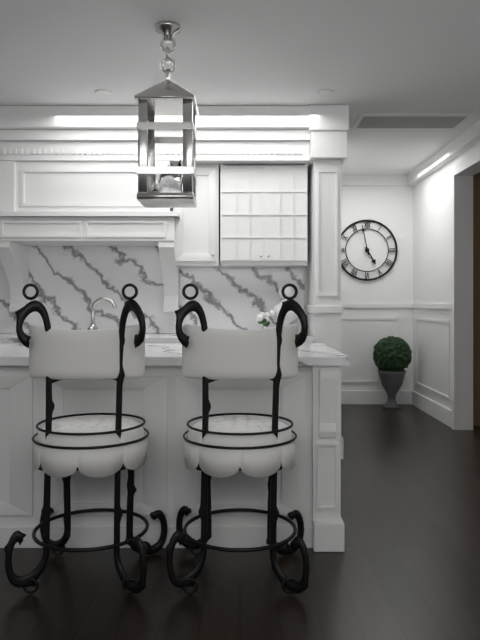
4:58
